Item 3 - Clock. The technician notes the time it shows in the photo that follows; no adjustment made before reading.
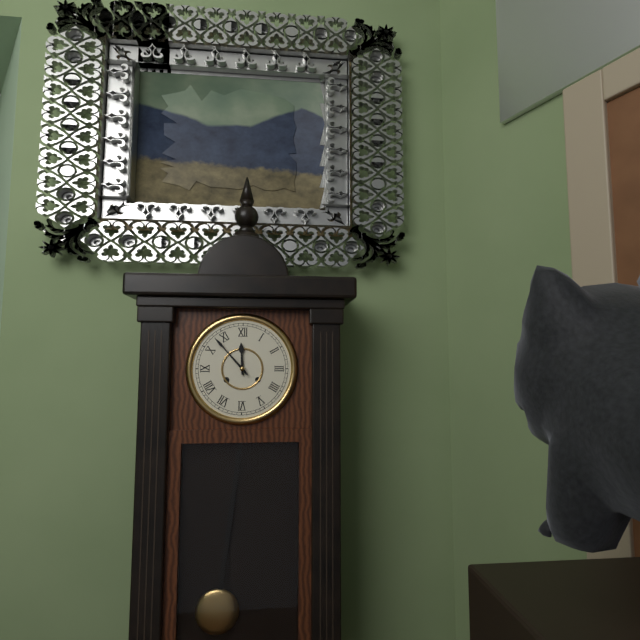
11:53
